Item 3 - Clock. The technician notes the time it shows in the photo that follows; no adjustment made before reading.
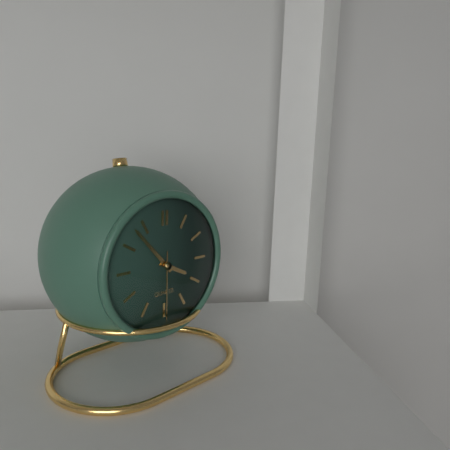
3:53:30
